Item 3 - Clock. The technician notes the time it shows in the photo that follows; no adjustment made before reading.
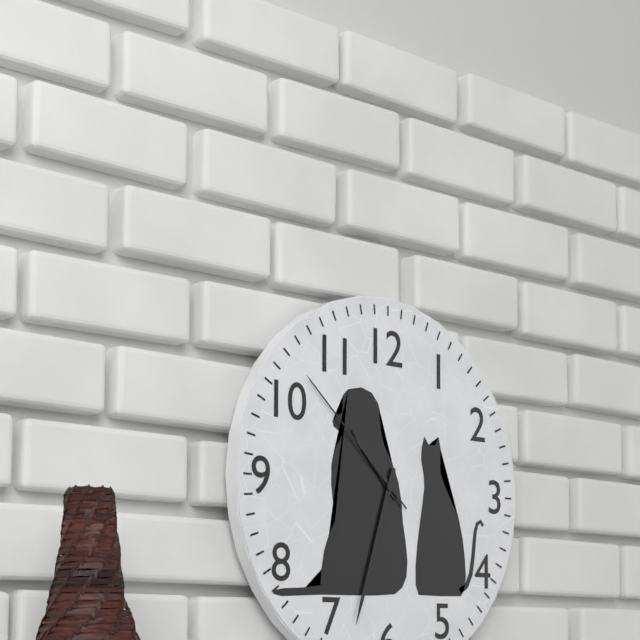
10:33:52
